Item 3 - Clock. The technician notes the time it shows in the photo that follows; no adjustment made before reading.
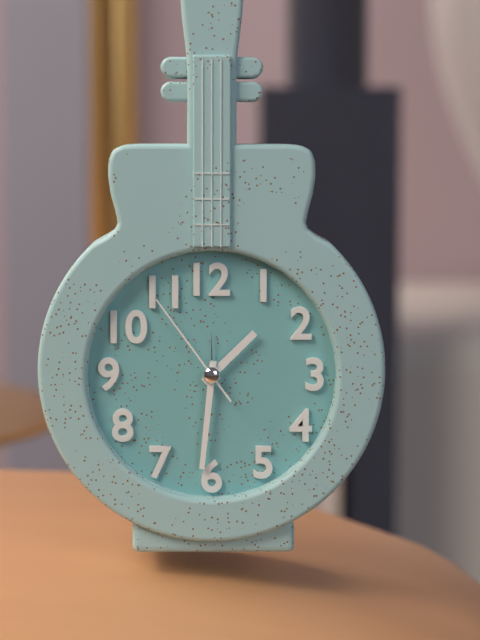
1:31:54
